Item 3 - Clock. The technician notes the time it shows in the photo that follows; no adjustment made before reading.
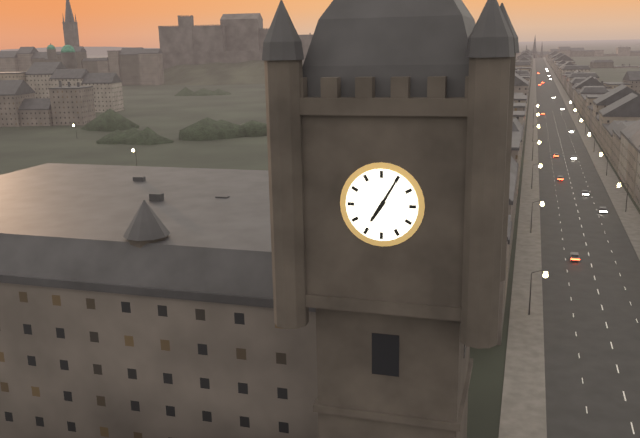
7:05
